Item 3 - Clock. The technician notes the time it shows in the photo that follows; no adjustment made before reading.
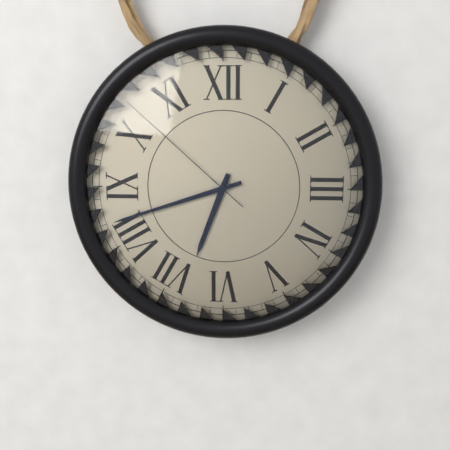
6:42:52
